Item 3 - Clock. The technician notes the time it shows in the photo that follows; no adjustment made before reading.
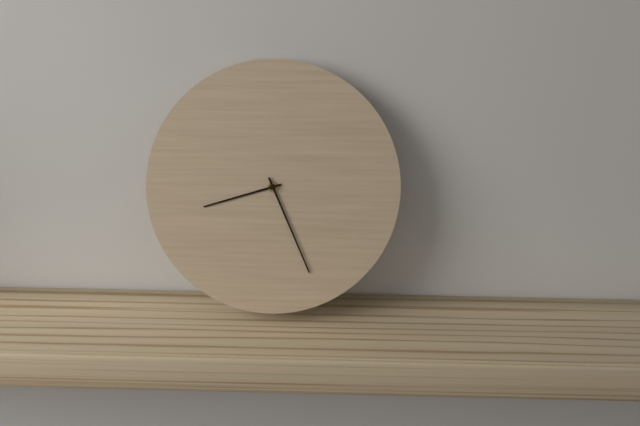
8:26
